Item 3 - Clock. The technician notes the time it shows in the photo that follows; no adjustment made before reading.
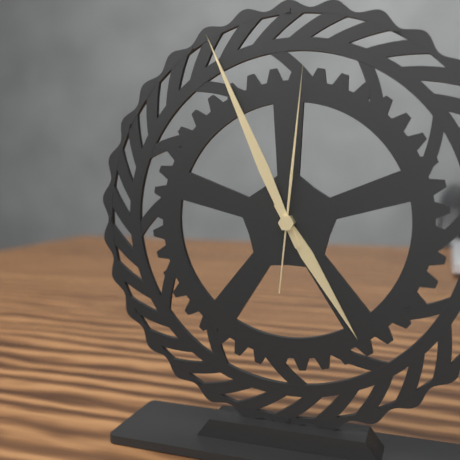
4:56:01
